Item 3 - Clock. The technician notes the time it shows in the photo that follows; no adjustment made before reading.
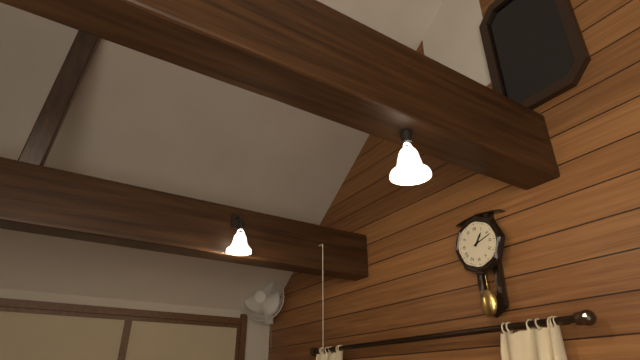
1:12
